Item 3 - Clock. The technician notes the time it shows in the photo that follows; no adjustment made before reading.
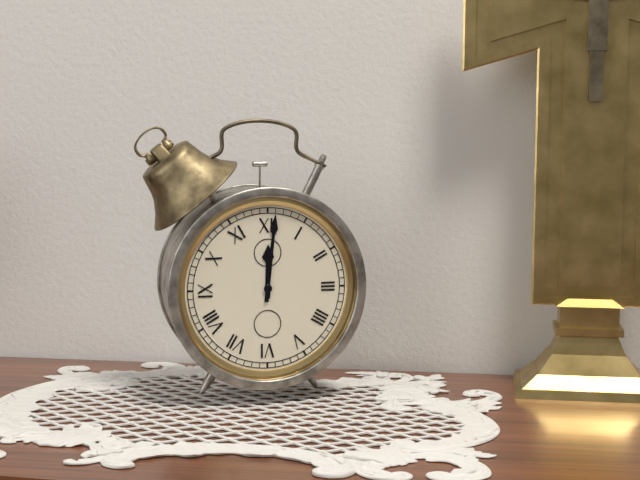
12:01
